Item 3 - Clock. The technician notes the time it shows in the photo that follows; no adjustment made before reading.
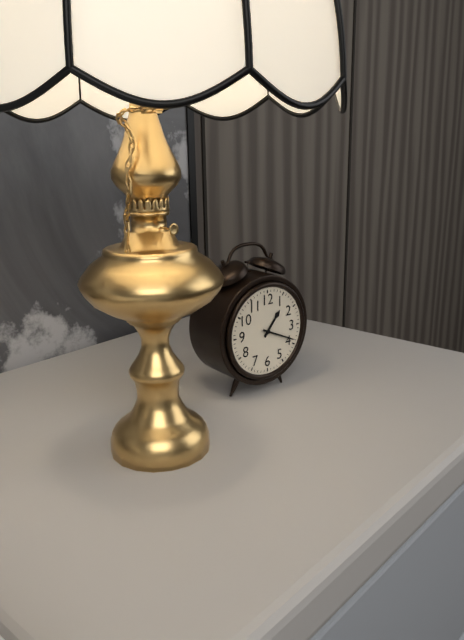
1:19
